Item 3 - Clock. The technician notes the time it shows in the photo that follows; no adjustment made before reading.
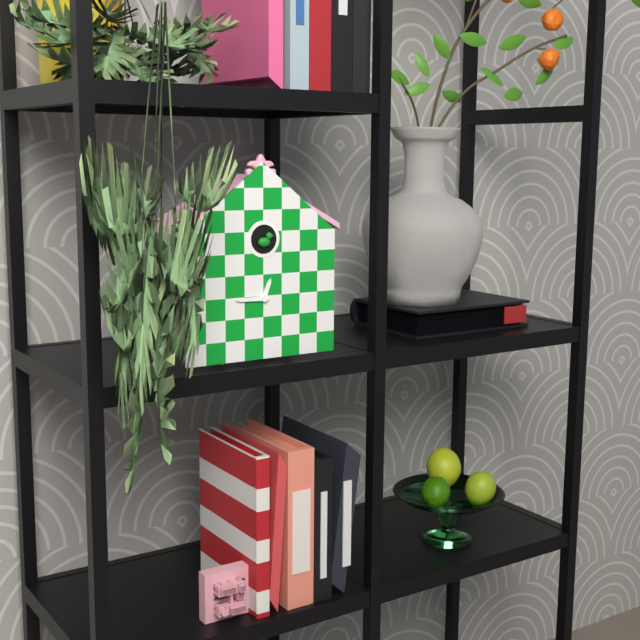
12:45
